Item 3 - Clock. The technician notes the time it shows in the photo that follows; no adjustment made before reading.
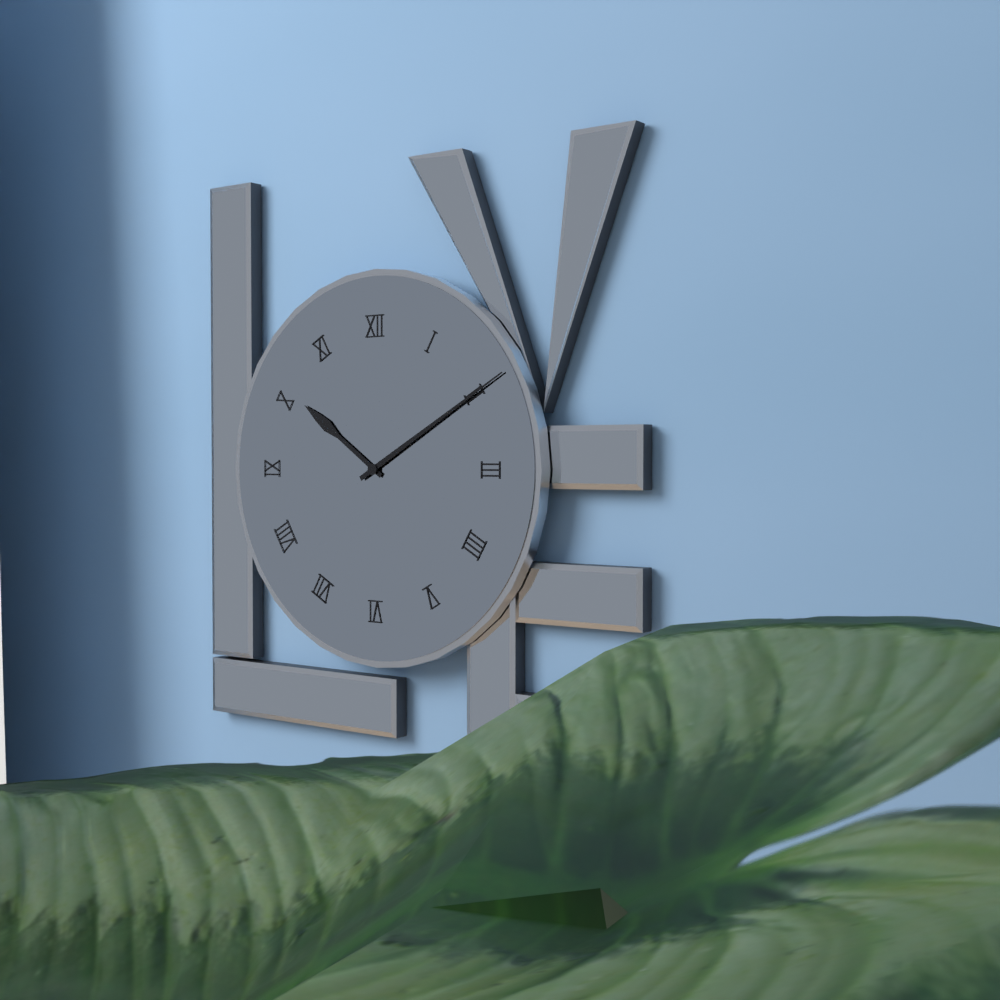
10:10
